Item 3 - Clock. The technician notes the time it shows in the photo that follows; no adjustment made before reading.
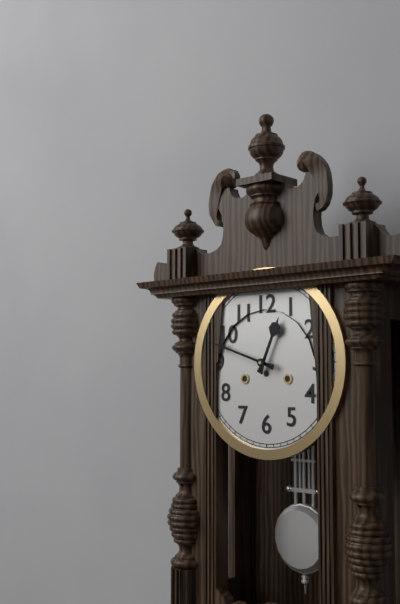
12:48
